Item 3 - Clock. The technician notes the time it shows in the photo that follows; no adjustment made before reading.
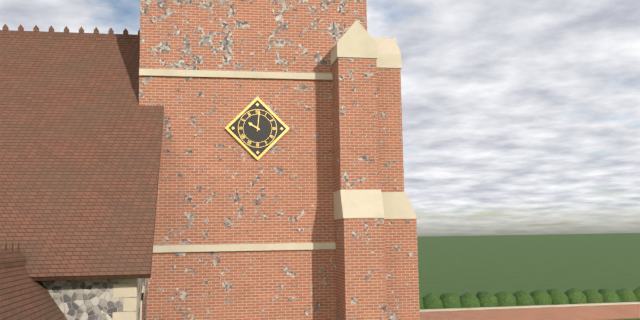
10:01
